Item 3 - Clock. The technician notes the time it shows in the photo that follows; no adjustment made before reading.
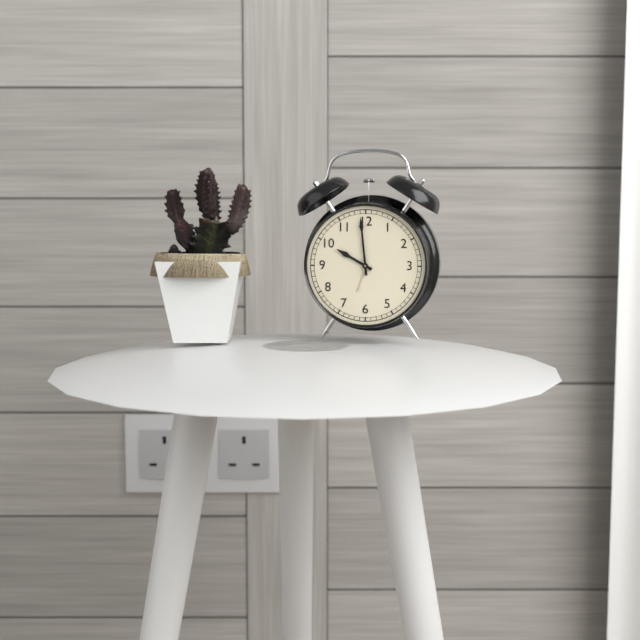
9:59
